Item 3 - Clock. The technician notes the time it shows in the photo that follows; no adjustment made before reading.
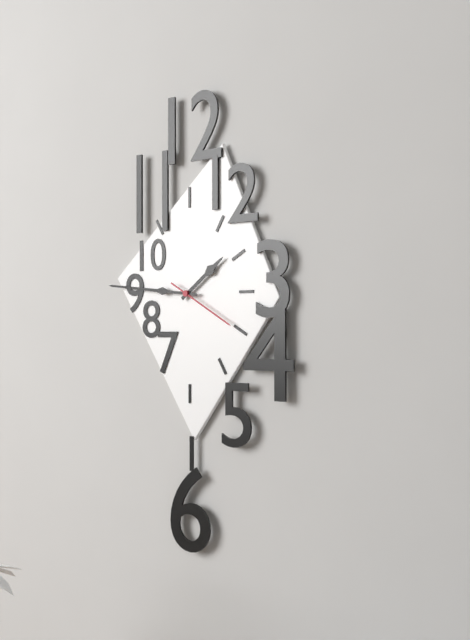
1:46:20
